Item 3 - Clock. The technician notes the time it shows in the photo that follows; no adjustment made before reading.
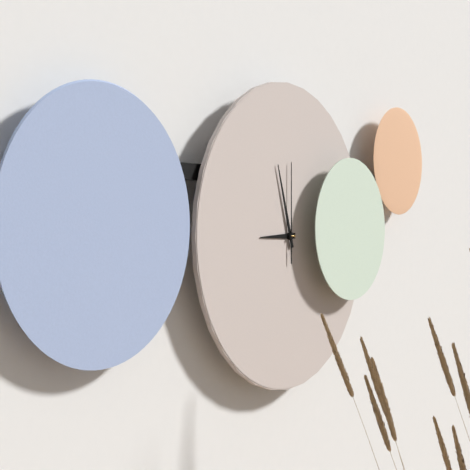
8:57:00
